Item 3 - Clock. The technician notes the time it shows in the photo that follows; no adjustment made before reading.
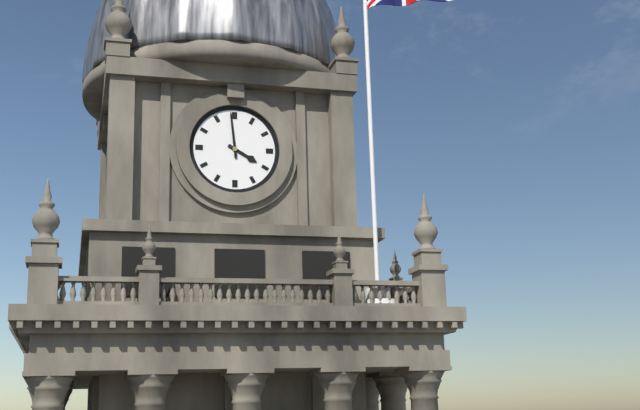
3:59
